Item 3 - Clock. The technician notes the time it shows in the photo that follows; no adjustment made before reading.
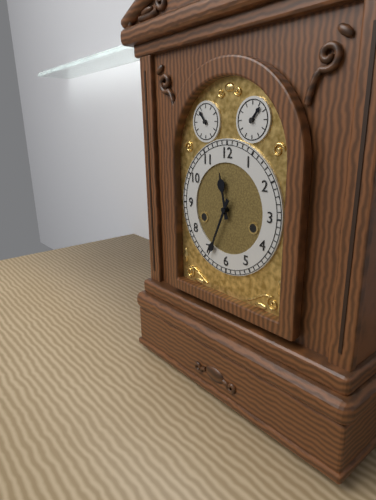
11:34
